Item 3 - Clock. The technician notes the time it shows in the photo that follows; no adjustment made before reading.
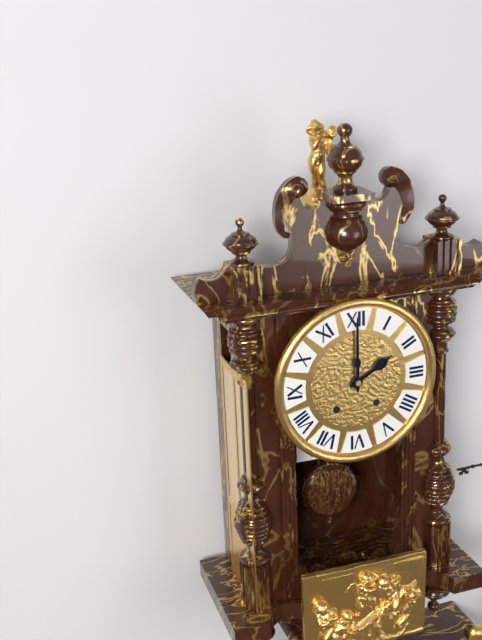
2:00
